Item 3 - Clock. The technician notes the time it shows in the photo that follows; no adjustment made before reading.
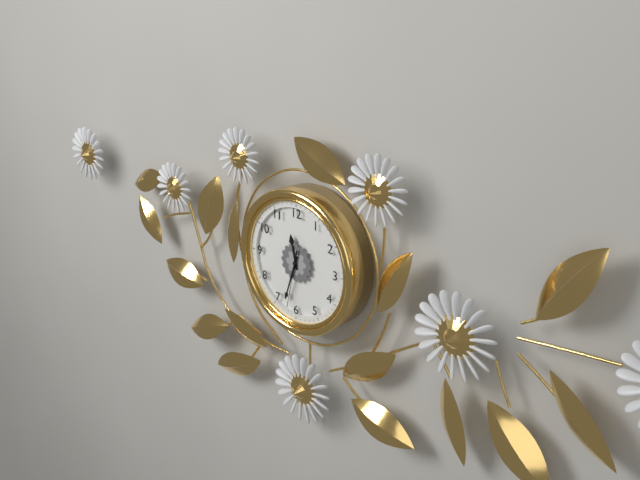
11:33:32
